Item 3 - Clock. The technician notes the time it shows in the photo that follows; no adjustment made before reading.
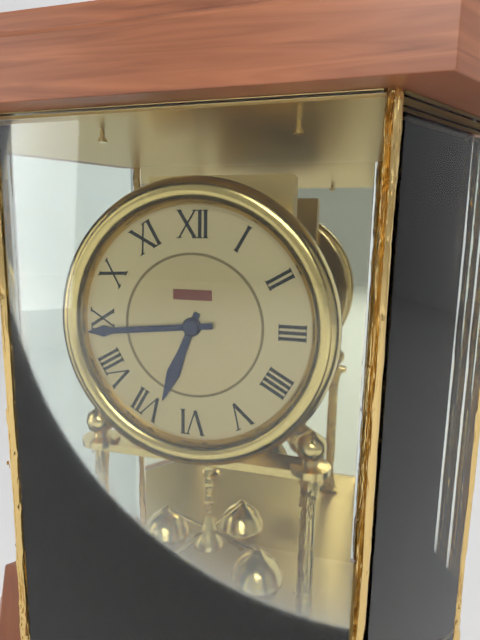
6:44
